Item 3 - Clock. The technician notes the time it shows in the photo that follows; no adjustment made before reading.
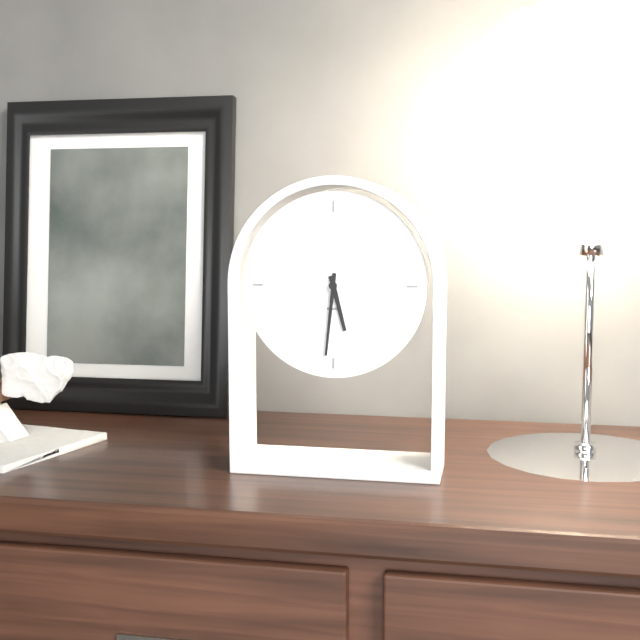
5:31
